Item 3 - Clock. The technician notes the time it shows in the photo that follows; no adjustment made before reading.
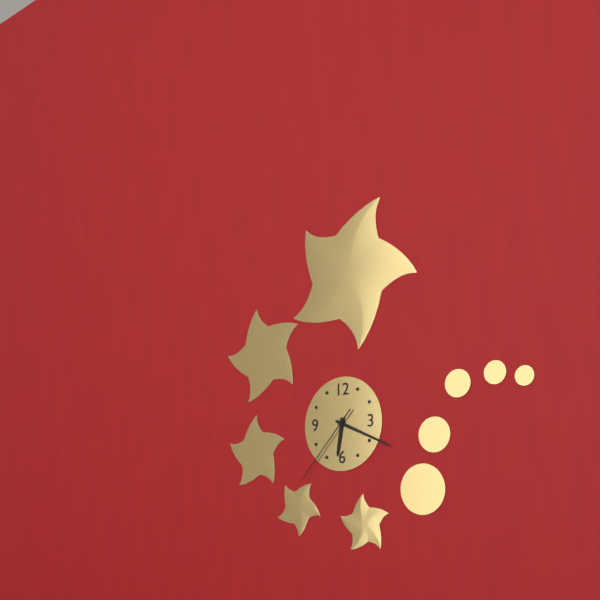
6:19:37
